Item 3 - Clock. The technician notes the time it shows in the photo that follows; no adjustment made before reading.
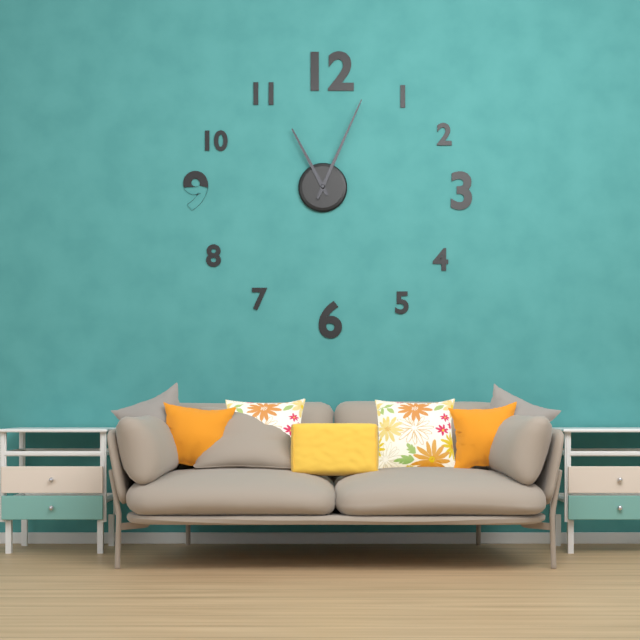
11:04
